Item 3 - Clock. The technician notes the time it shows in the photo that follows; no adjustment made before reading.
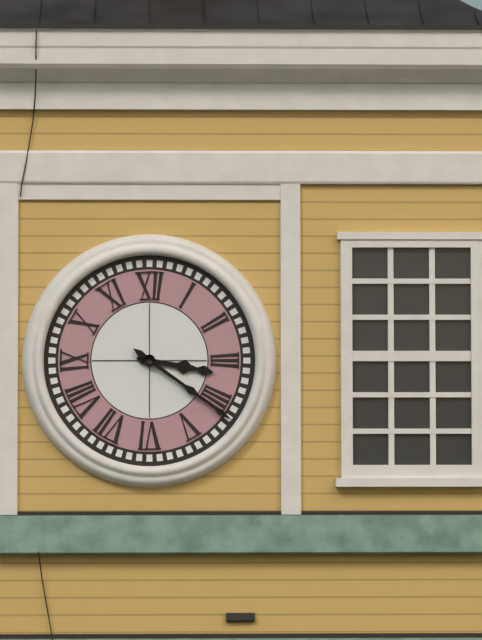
3:21
